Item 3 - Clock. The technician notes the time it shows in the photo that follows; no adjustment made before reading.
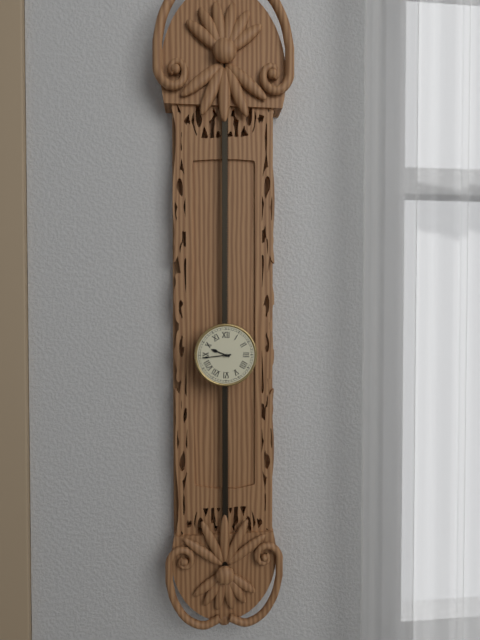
9:44
